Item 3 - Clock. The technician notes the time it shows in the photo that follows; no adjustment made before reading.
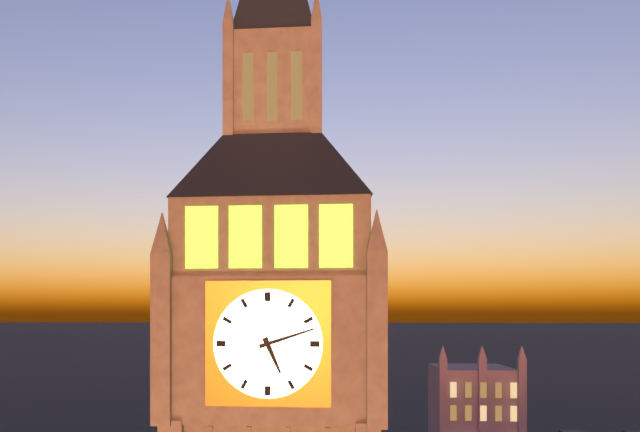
5:12
